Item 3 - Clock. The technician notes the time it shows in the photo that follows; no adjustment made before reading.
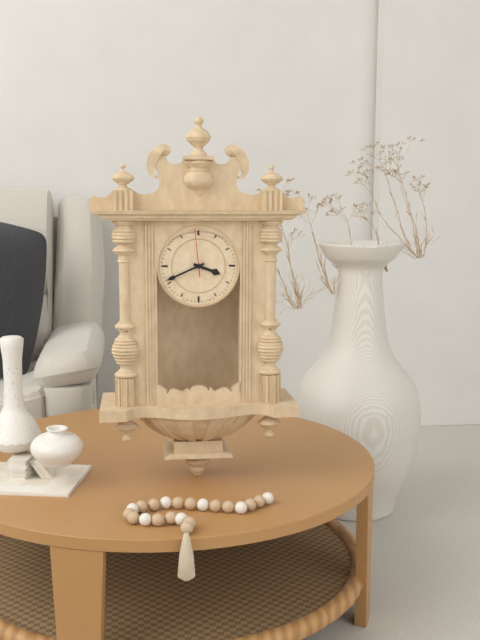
3:41
